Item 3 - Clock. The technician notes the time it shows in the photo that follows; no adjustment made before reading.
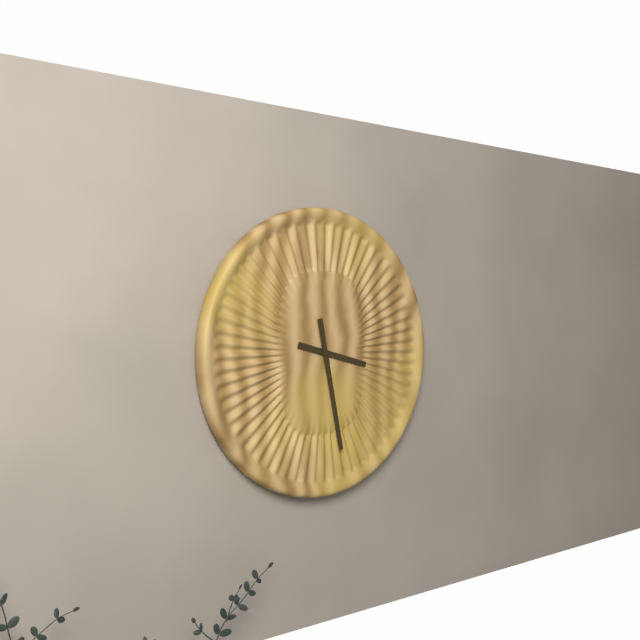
3:28
